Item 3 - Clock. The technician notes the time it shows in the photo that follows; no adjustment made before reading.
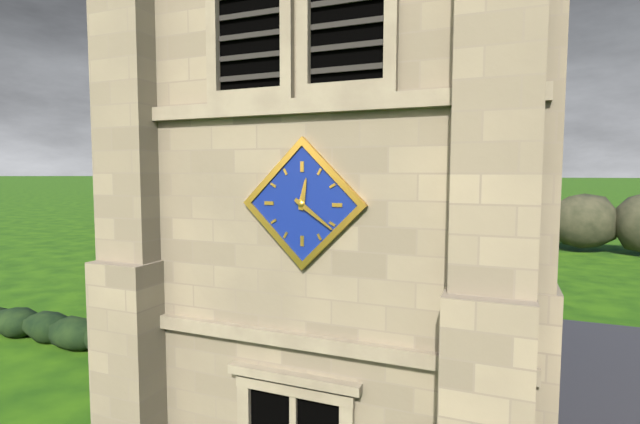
12:21
